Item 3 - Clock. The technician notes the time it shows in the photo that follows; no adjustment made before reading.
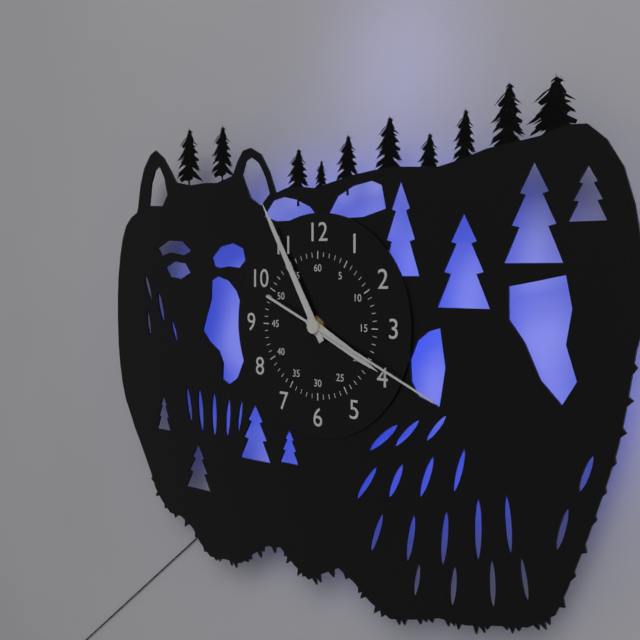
3:55:19
